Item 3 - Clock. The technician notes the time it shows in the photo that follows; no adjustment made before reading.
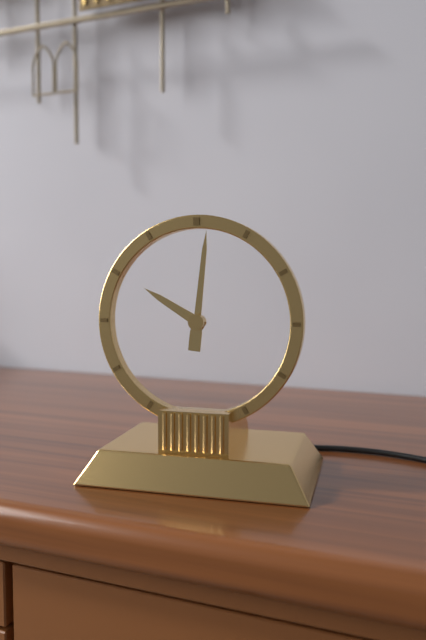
10:01
